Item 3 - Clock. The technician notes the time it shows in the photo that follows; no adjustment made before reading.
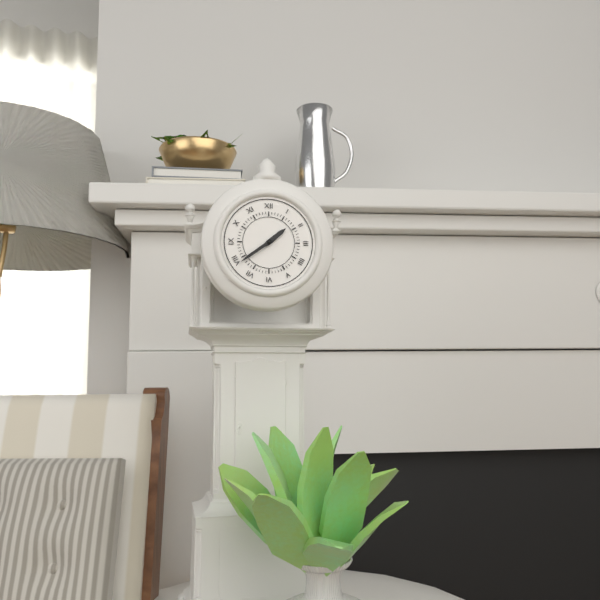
1:39
